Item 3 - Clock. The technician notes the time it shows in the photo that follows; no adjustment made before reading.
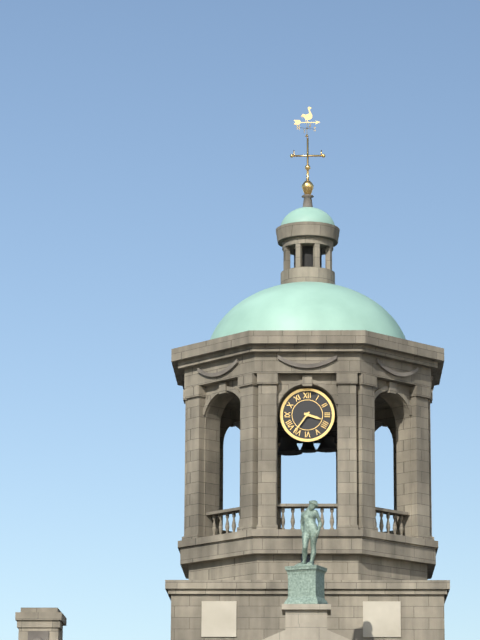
3:36
